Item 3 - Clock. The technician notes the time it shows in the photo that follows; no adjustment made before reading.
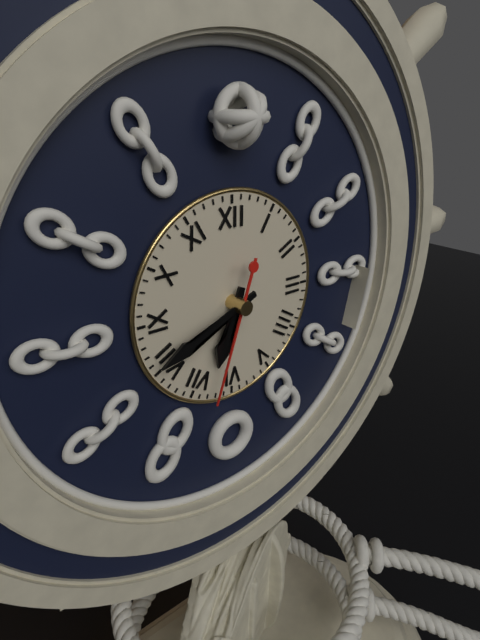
6:41:33
